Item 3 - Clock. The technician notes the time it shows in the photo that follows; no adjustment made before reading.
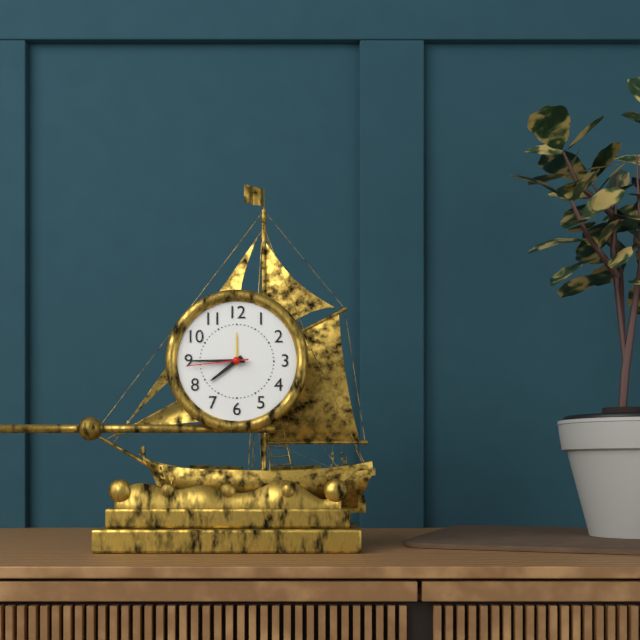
7:45:44
